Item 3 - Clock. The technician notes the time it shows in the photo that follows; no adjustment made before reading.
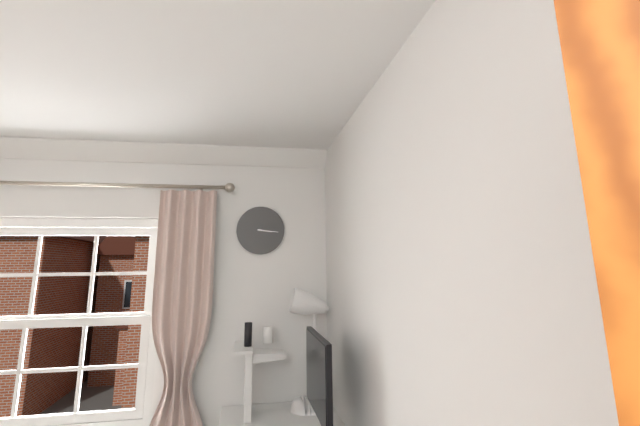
3:16
